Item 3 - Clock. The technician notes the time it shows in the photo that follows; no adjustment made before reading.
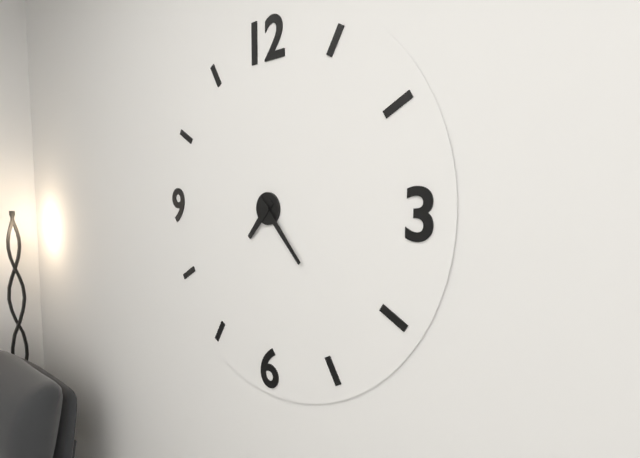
7:23
